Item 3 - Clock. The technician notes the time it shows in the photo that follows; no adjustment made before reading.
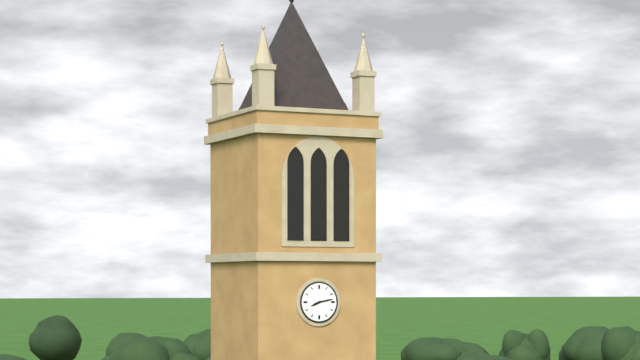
8:13
